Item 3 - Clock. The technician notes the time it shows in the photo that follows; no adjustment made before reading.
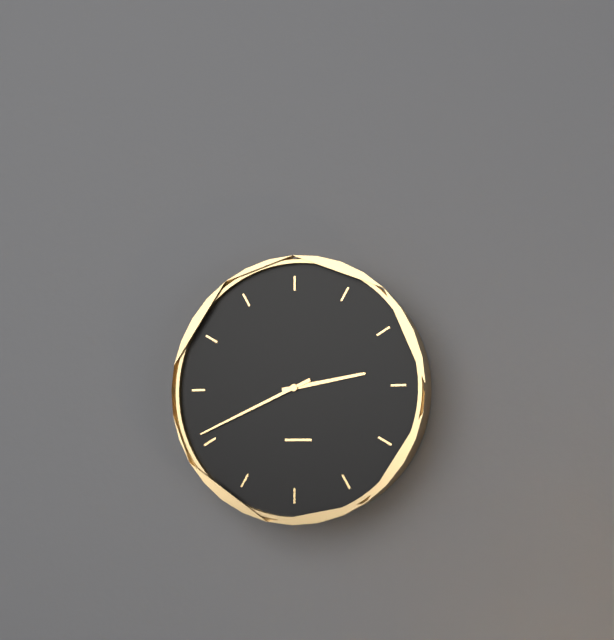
2:41
